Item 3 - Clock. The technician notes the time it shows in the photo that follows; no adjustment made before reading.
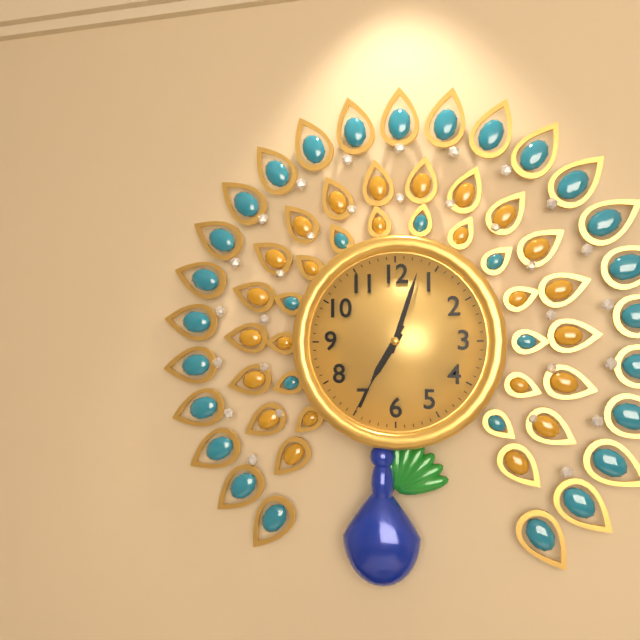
7:03:35
